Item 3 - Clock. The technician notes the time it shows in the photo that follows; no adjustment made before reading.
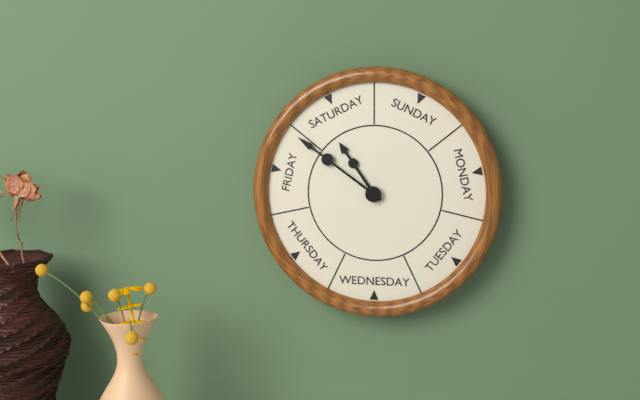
10:51
